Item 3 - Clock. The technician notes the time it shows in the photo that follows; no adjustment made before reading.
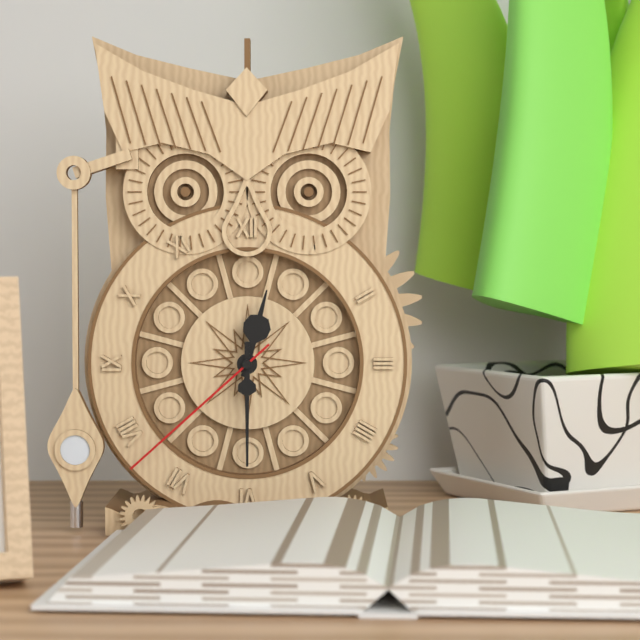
12:30:38
